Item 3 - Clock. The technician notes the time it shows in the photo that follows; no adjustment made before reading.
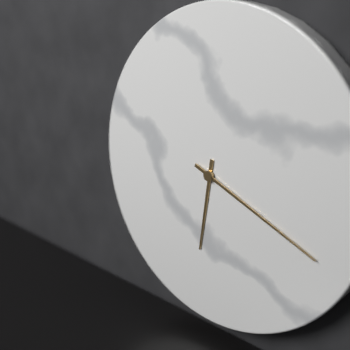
6:19
